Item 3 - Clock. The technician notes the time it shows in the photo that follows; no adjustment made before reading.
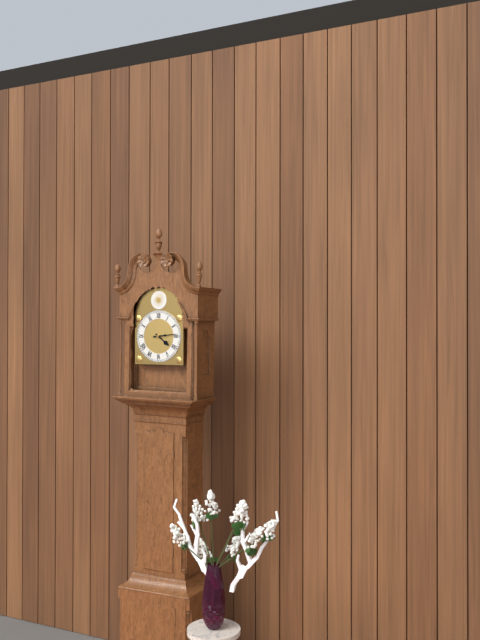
4:14
